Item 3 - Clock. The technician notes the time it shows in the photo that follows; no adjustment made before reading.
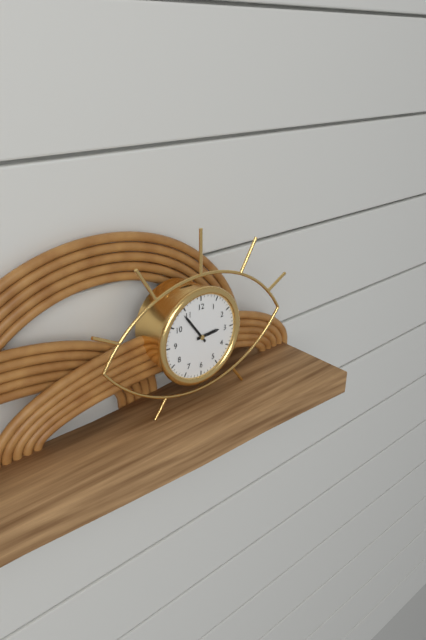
2:54
